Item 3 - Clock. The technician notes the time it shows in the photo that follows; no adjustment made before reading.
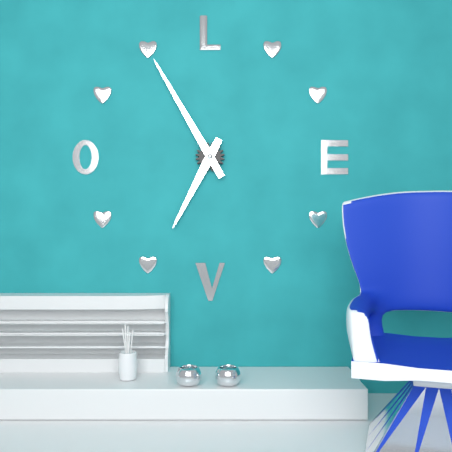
6:55
